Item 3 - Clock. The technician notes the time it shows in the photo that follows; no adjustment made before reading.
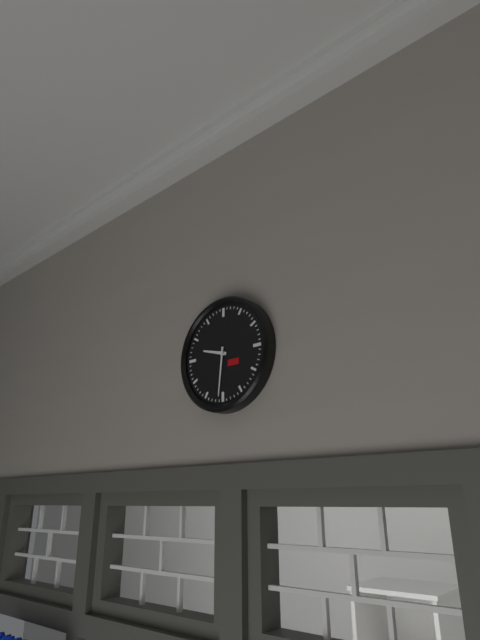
9:31
